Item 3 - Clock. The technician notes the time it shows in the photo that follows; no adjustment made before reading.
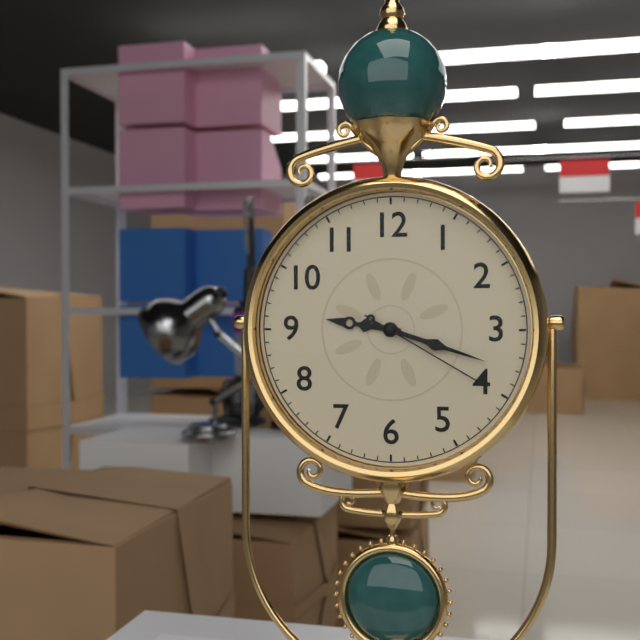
9:18:20
